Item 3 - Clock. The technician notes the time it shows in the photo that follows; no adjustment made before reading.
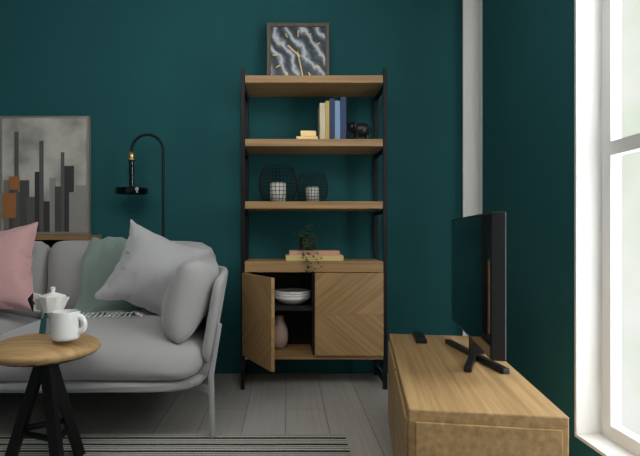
10:28
